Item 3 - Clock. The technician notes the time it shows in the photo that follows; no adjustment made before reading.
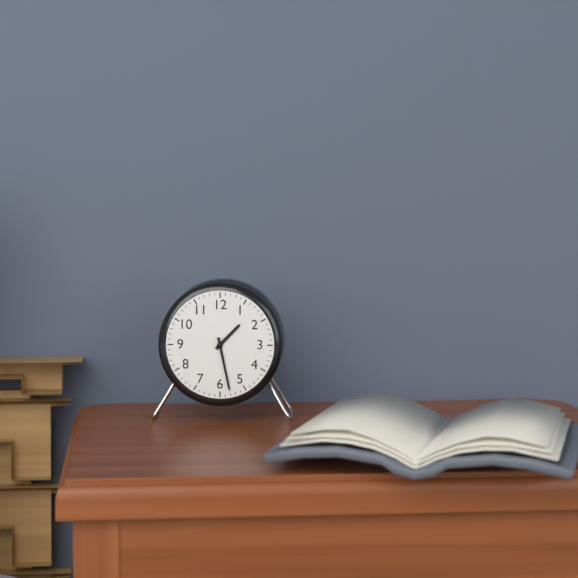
1:28
